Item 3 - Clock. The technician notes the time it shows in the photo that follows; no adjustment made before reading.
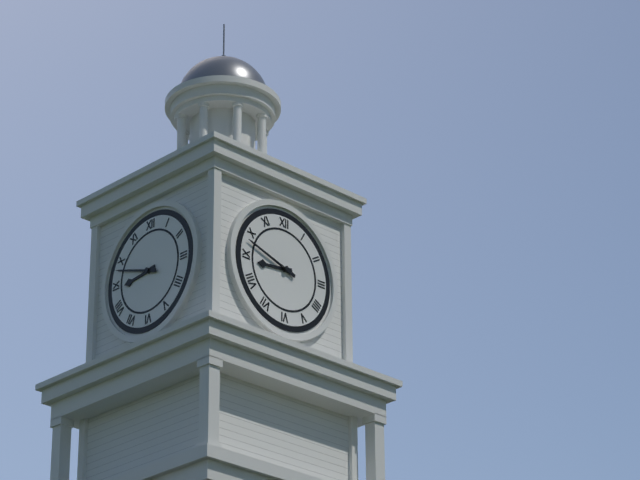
8:48
